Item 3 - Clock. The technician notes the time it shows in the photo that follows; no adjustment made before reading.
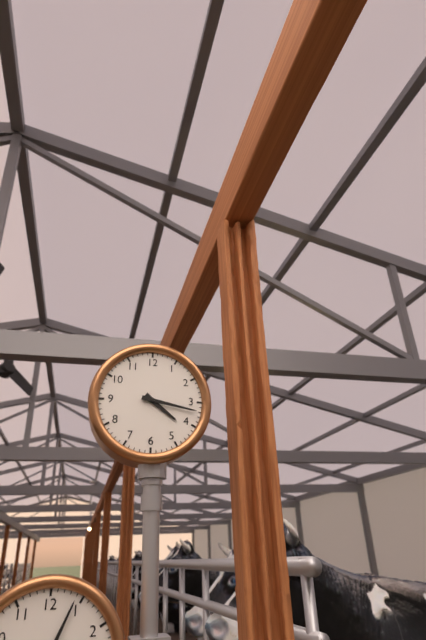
4:17
